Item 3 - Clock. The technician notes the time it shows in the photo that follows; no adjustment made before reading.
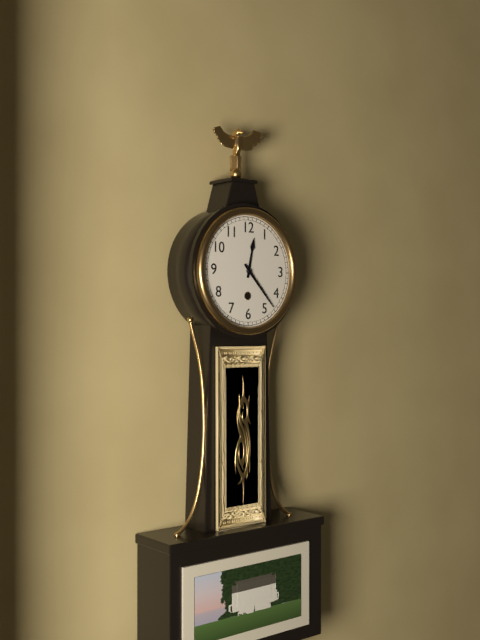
12:23
